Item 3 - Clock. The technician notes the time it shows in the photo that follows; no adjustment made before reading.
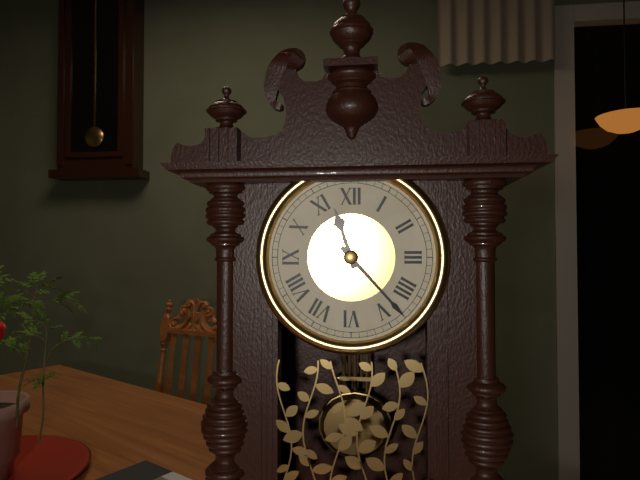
11:23
